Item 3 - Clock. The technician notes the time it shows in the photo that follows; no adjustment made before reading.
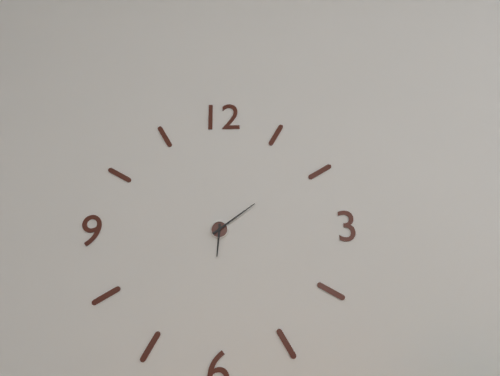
6:09
